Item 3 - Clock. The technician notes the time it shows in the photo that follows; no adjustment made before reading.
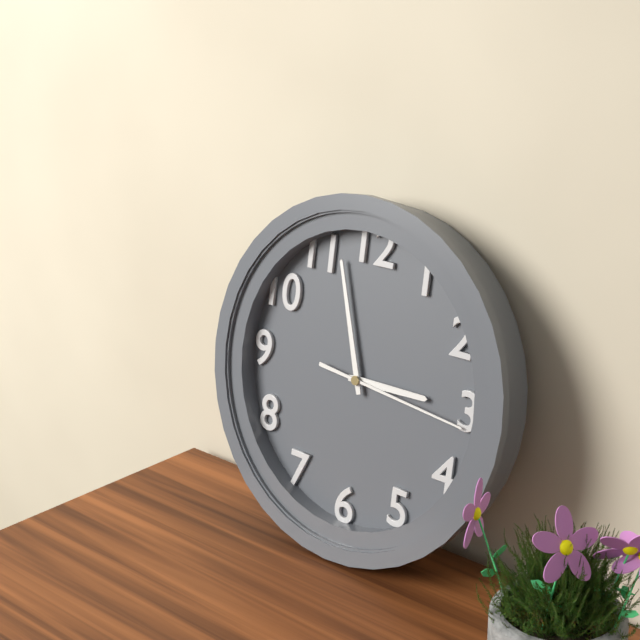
2:57:16
